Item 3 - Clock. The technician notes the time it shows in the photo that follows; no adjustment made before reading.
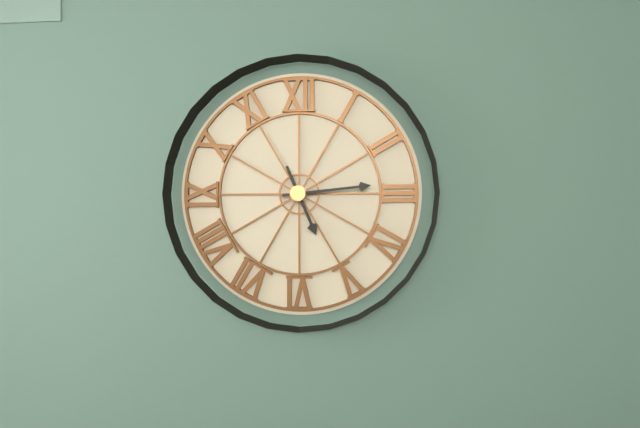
5:14
